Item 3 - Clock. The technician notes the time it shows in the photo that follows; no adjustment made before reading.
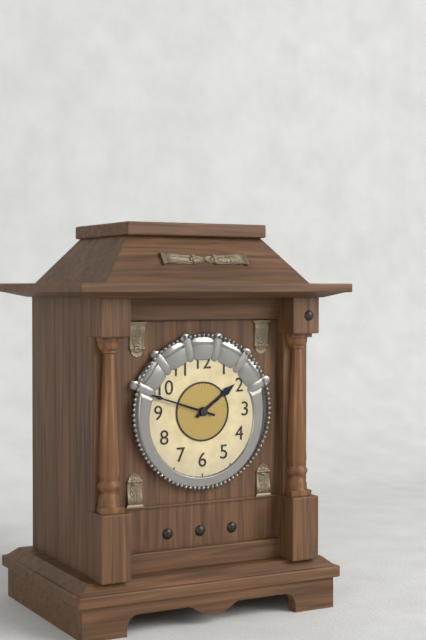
1:48
